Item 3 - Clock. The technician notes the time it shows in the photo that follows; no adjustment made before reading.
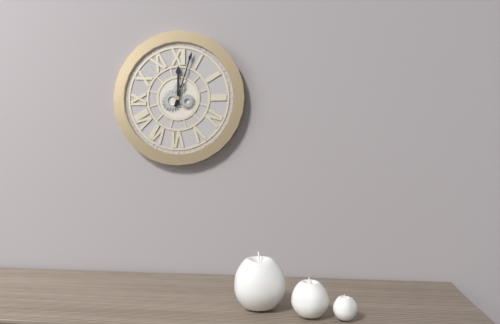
12:03
